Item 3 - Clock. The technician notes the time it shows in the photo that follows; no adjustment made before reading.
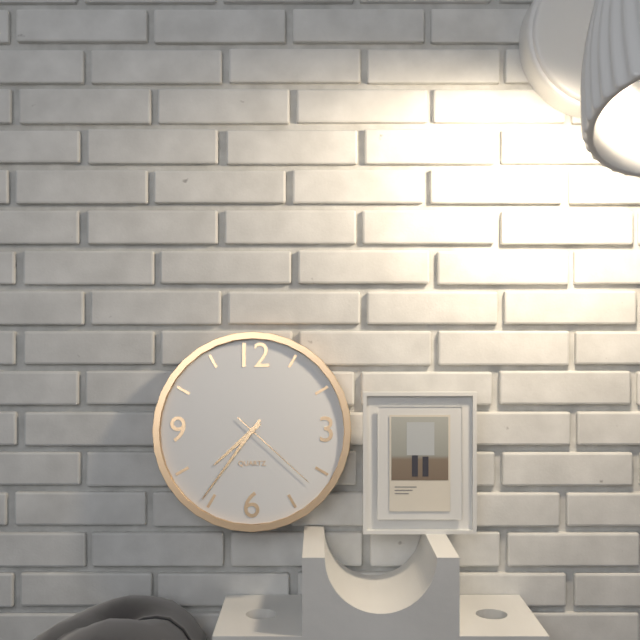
7:36:22
